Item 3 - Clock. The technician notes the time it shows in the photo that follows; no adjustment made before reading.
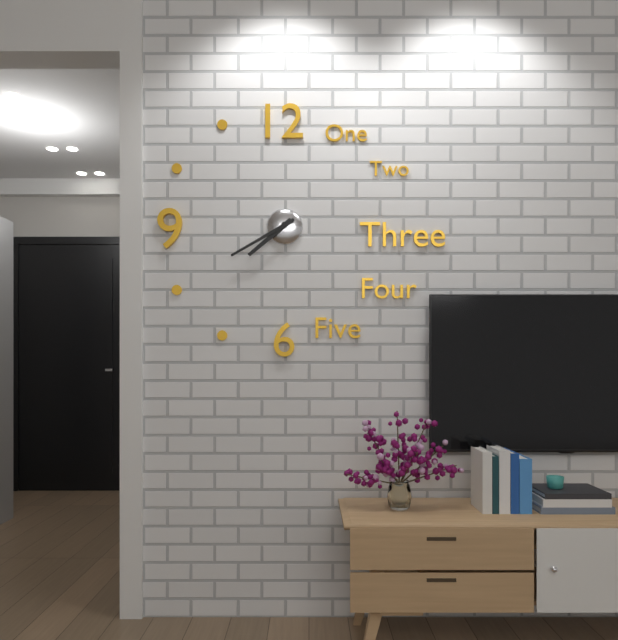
7:40
